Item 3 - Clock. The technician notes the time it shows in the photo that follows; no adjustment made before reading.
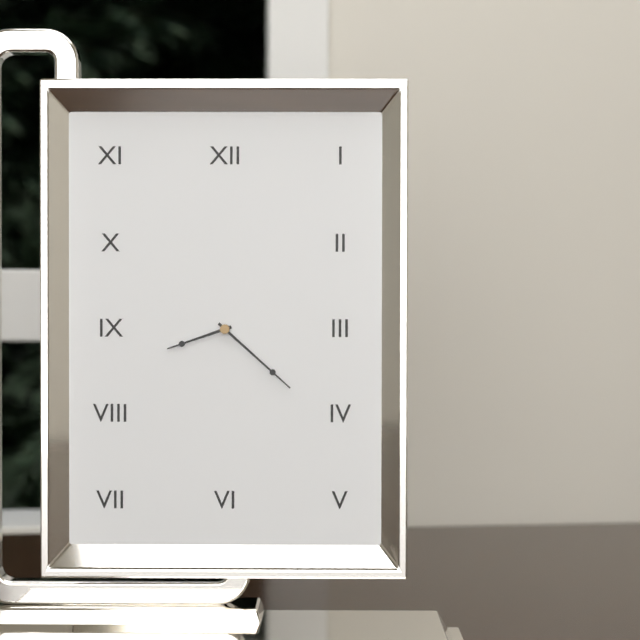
8:22
